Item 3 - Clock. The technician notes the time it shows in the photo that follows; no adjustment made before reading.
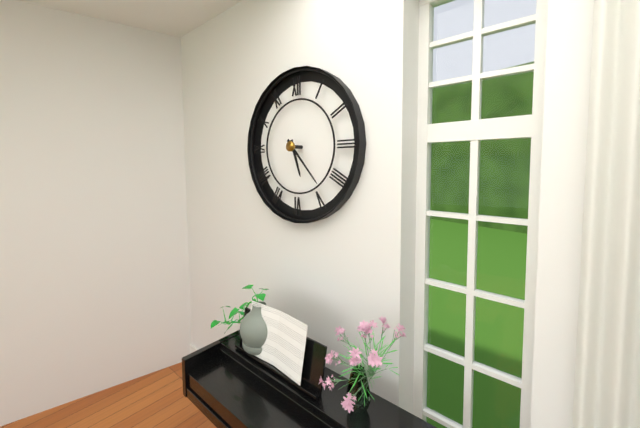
5:23
